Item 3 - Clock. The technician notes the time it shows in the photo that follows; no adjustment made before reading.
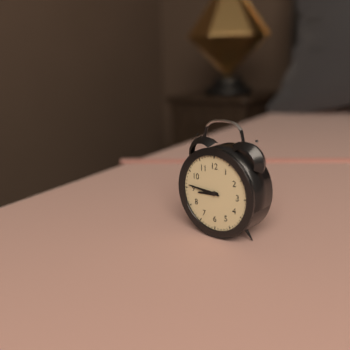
8:46
